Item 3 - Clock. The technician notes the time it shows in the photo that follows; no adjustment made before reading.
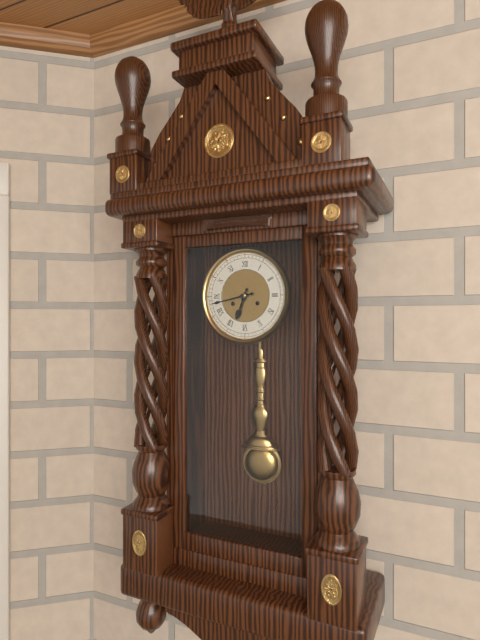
6:43
